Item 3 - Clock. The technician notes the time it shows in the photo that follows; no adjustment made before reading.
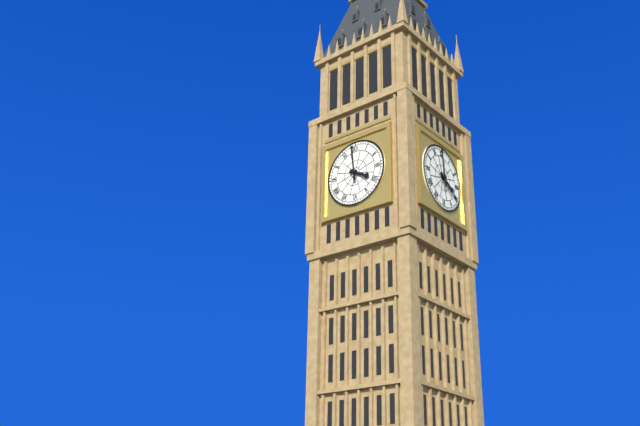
3:59
